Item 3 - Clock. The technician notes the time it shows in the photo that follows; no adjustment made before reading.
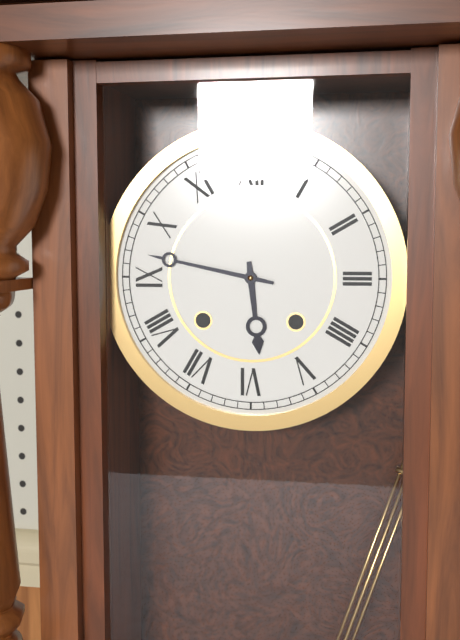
5:47
